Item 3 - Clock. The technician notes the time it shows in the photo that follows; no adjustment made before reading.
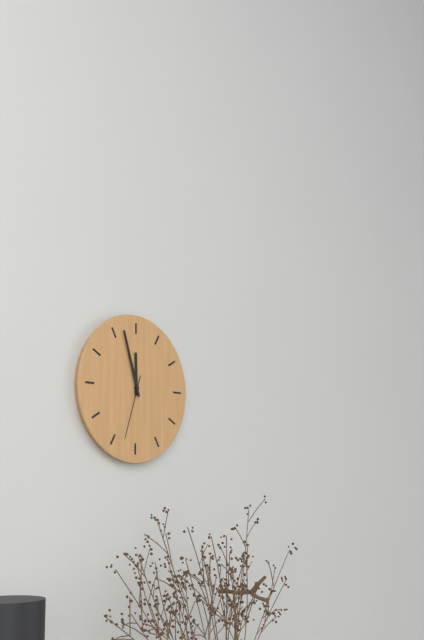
11:57:33
